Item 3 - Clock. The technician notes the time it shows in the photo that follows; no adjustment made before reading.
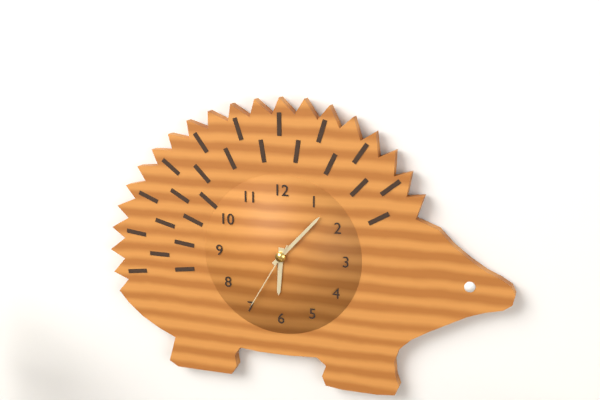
6:07:35
